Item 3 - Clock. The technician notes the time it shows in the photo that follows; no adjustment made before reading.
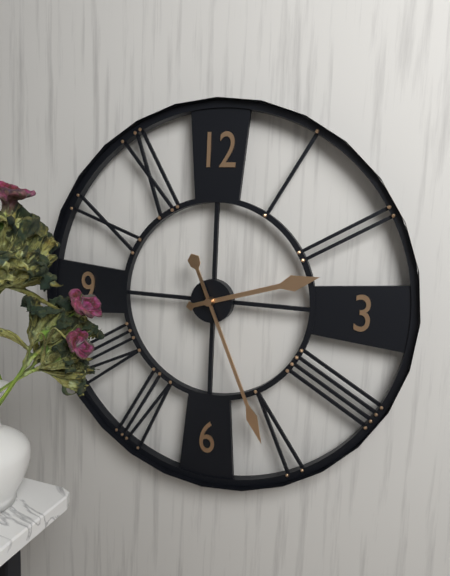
2:26
